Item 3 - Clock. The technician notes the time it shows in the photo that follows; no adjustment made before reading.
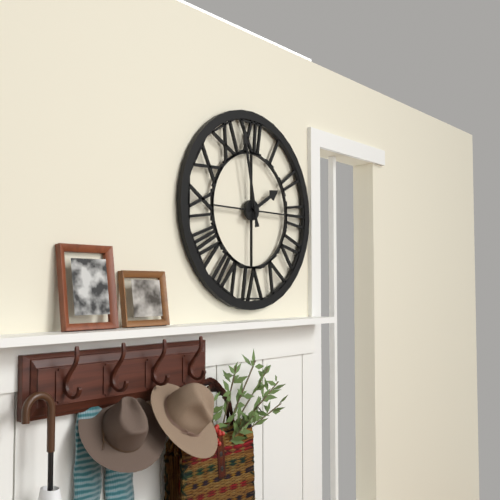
1:58
